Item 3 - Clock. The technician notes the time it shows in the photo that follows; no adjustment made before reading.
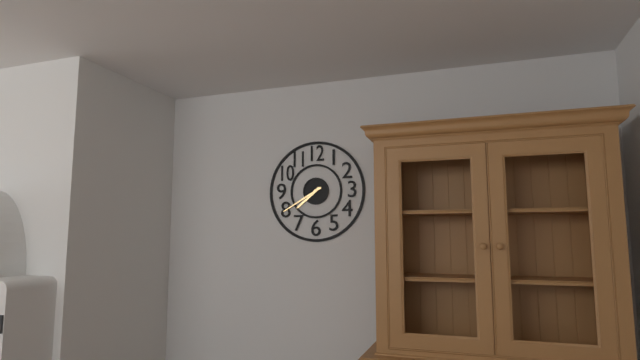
7:40
